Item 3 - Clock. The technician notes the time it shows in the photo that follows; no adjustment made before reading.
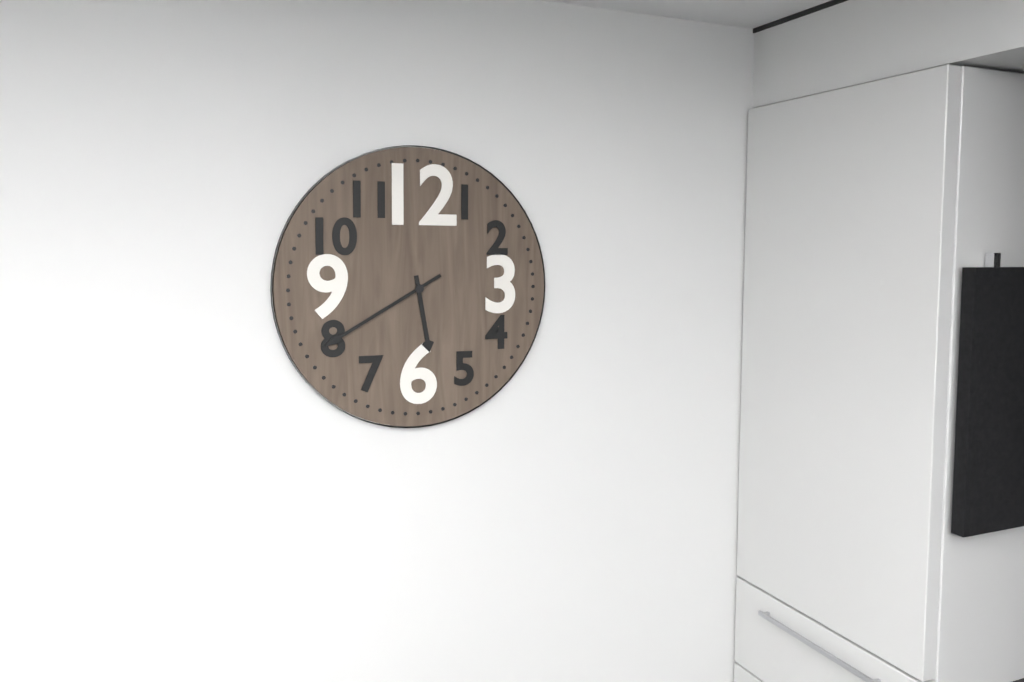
5:40
